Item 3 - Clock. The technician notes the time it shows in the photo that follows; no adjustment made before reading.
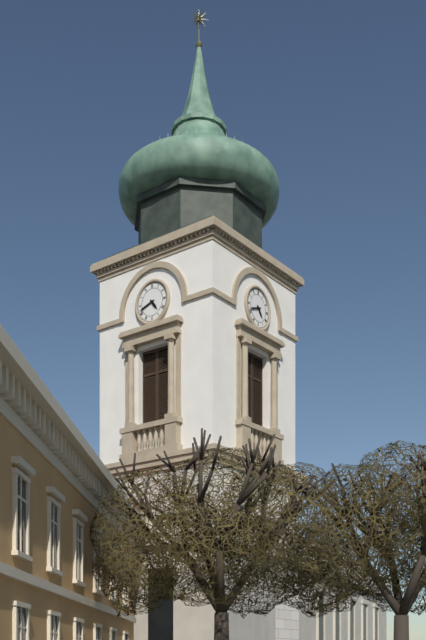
4:42
